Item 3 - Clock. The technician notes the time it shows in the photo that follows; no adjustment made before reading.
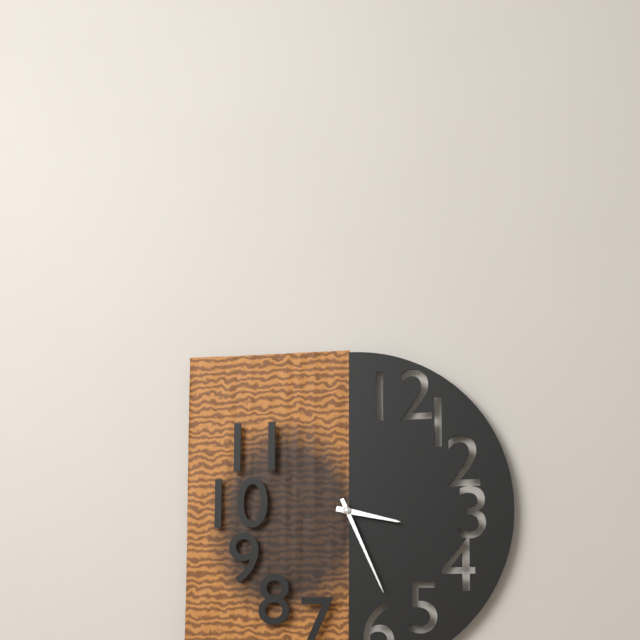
3:26
